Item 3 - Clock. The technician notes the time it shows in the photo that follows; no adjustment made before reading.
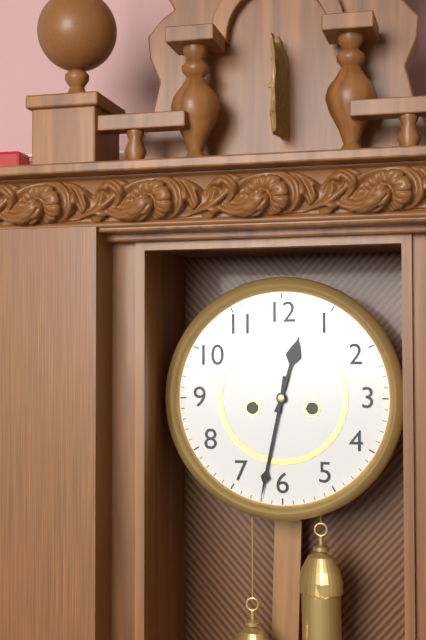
12:32
